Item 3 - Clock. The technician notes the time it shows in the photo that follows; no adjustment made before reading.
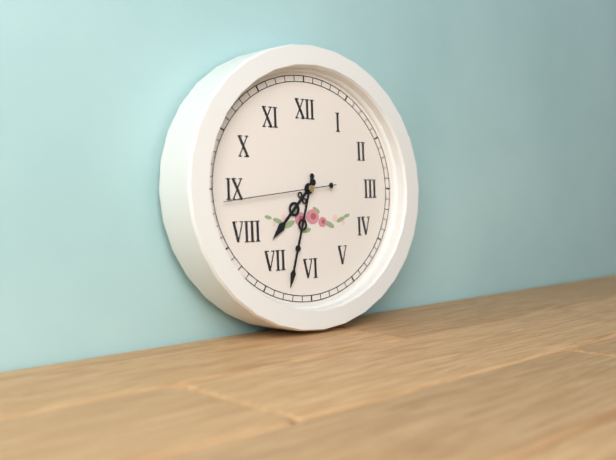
7:33:44
